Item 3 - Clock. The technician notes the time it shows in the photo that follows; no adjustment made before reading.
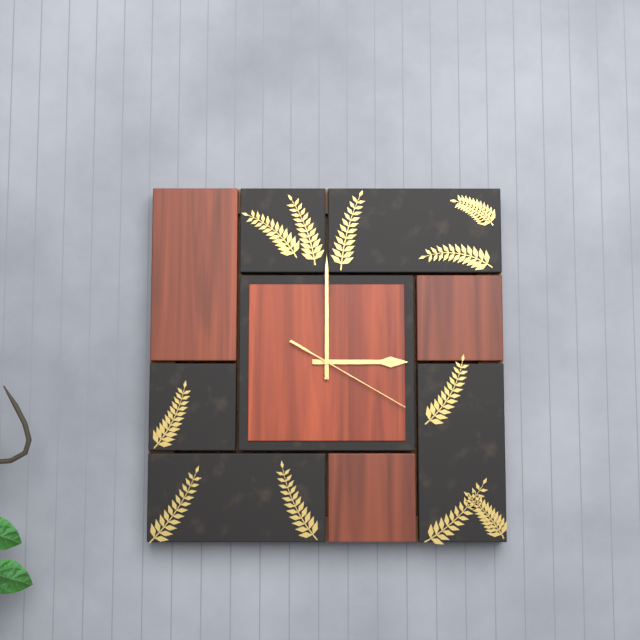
3:00:20
